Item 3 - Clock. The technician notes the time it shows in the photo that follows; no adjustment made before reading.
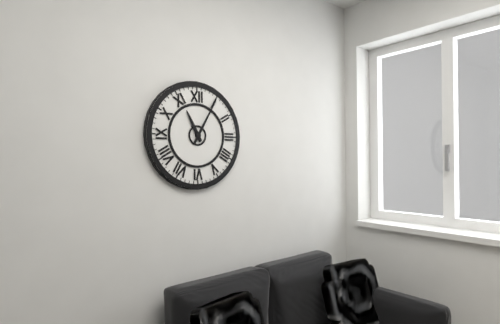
11:05
